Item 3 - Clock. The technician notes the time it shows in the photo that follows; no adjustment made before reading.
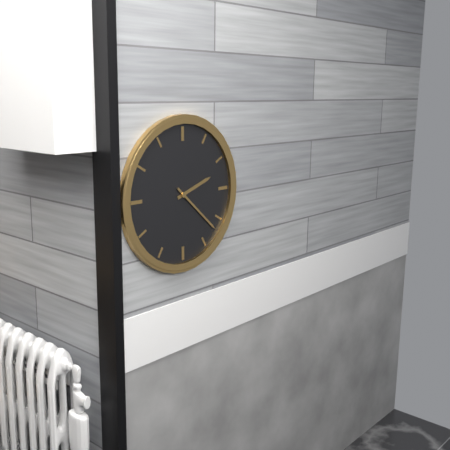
2:22
